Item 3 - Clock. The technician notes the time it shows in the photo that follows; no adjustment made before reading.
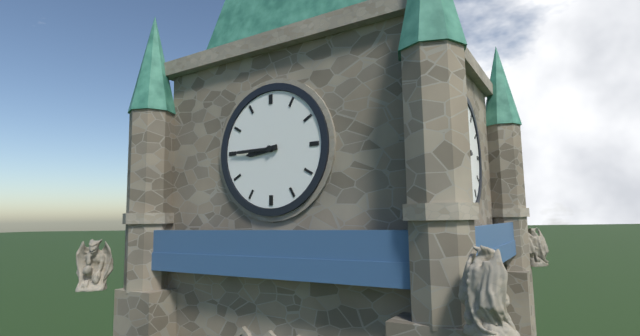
8:45
